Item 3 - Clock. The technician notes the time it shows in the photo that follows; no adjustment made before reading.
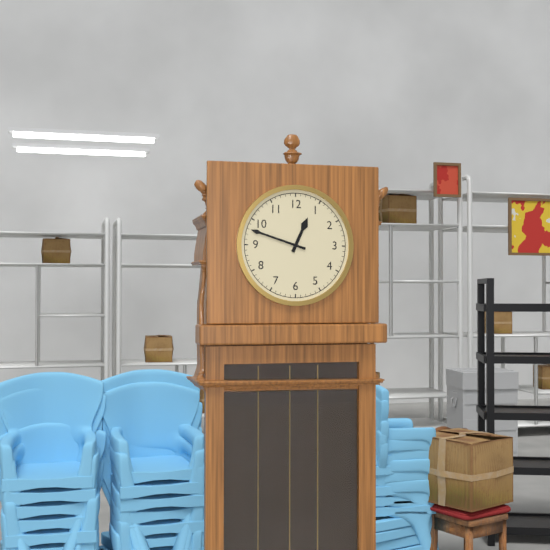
12:48
